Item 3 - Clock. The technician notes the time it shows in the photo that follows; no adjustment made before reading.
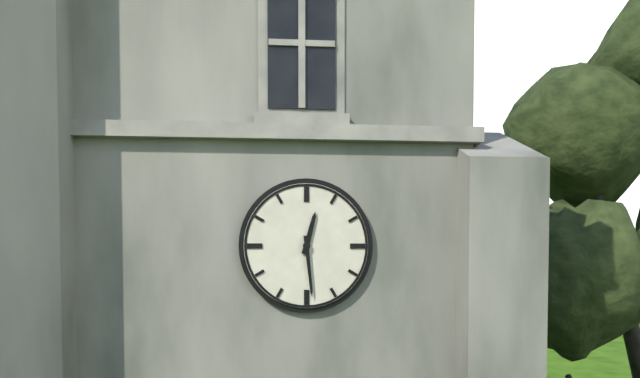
12:29
